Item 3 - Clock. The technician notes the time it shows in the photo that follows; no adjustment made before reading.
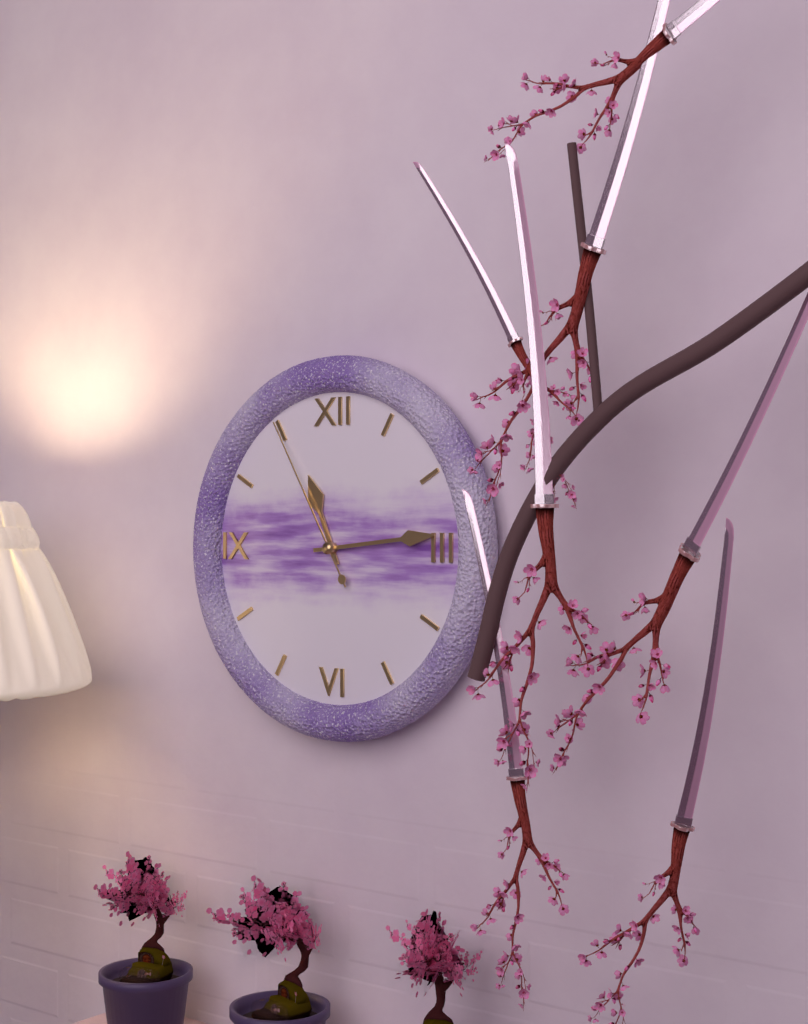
11:14:55
